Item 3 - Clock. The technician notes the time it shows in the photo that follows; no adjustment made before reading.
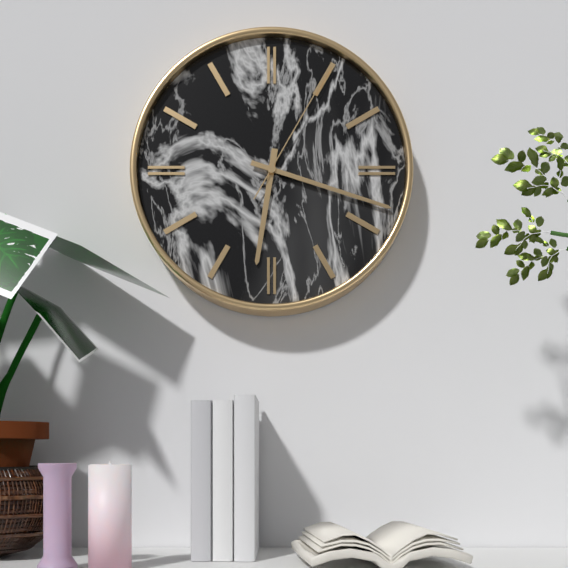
6:18:05
